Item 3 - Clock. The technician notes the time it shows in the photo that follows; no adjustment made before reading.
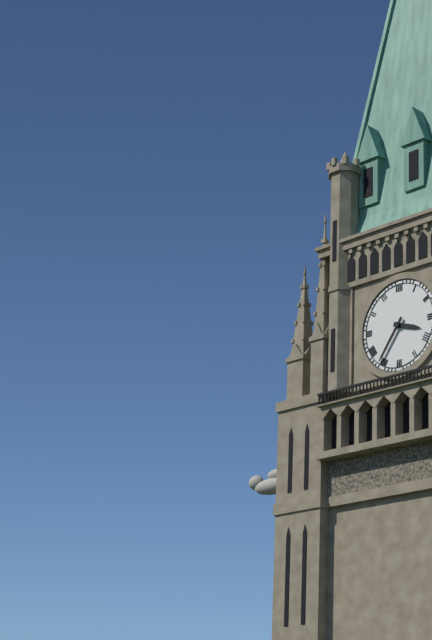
3:36
